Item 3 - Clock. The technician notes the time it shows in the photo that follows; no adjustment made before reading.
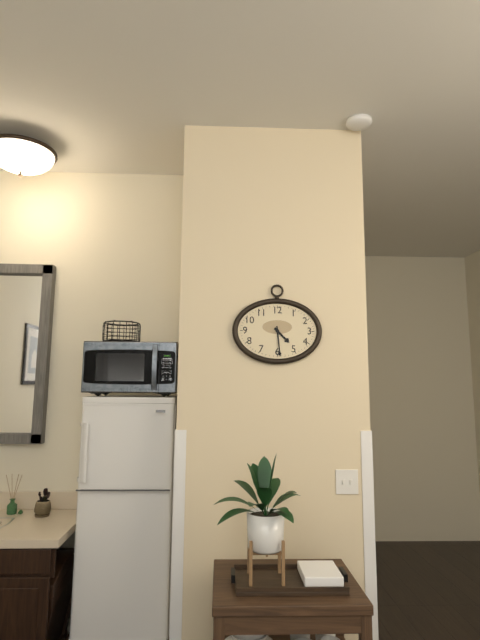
4:29
